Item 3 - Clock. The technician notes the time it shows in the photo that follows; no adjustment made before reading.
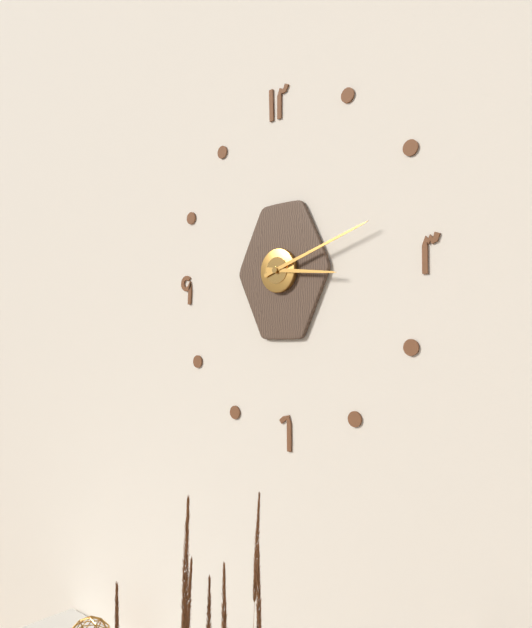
3:12
